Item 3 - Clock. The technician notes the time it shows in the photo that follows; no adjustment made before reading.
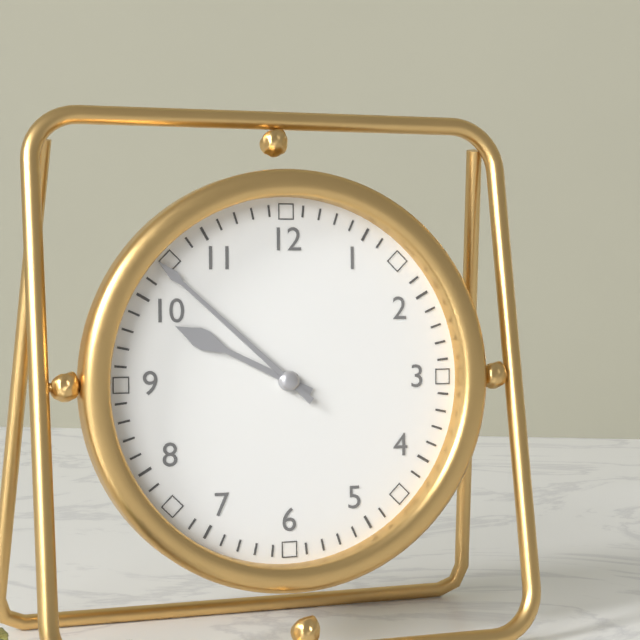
9:52
